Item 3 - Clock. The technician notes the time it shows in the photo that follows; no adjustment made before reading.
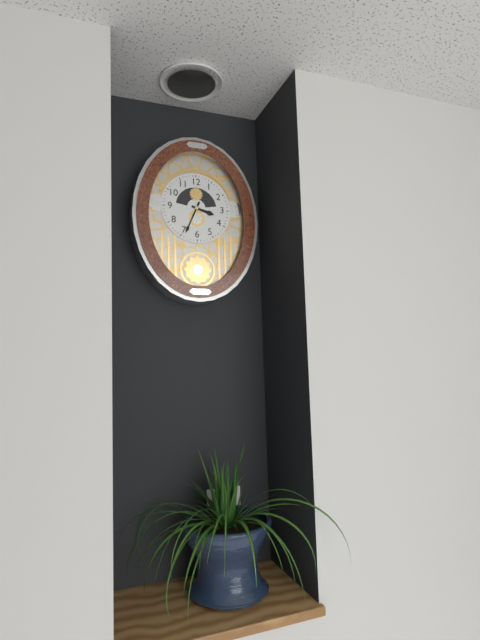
3:34
